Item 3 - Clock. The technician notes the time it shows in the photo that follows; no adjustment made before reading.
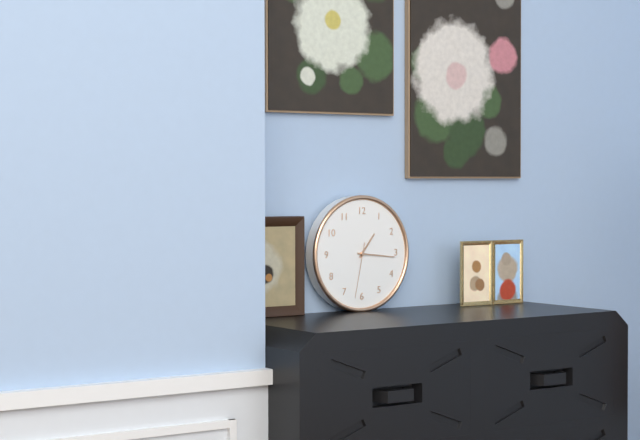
1:16:32
